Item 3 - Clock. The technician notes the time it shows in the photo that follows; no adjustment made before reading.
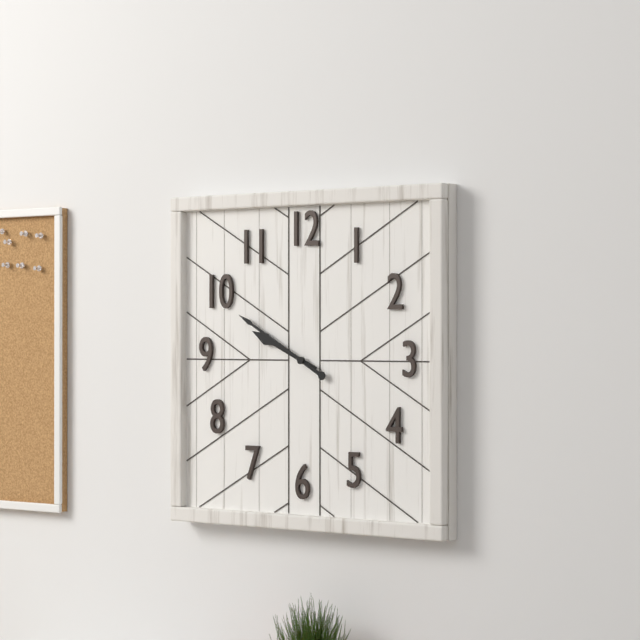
9:50
